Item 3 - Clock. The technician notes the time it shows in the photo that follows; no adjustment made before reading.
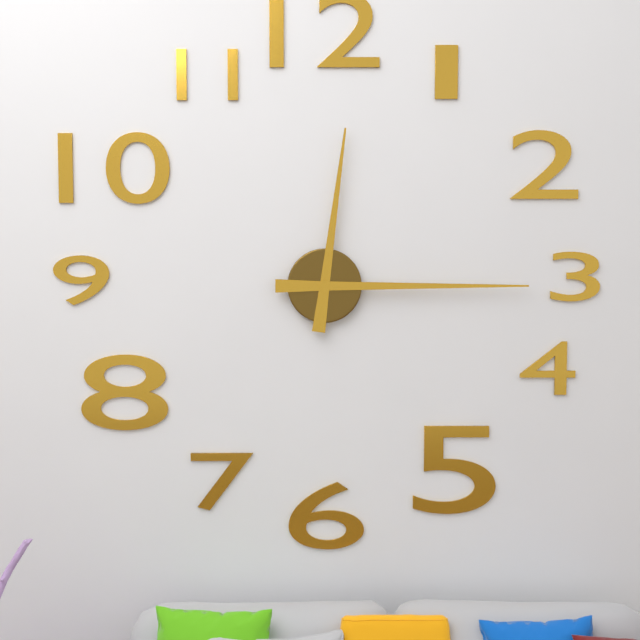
12:15
